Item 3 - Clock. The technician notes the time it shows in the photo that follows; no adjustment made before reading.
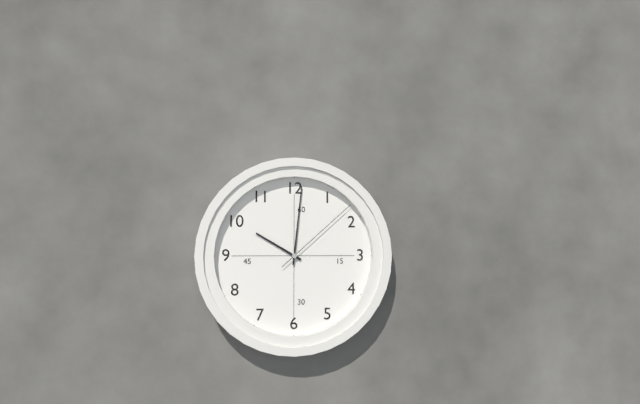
10:01:08
